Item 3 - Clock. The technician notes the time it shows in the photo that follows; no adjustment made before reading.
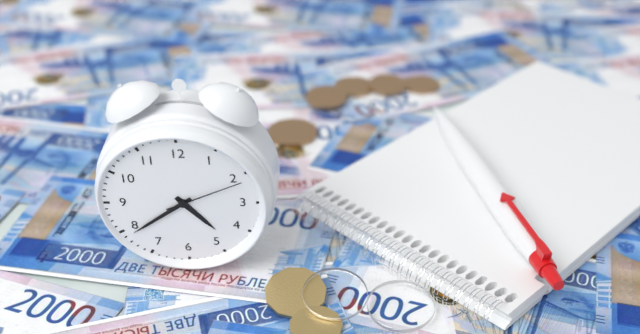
4:39:11
